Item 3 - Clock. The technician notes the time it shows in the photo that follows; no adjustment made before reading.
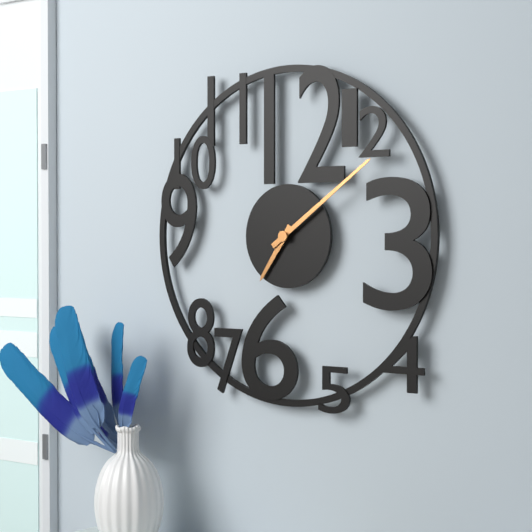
7:09
